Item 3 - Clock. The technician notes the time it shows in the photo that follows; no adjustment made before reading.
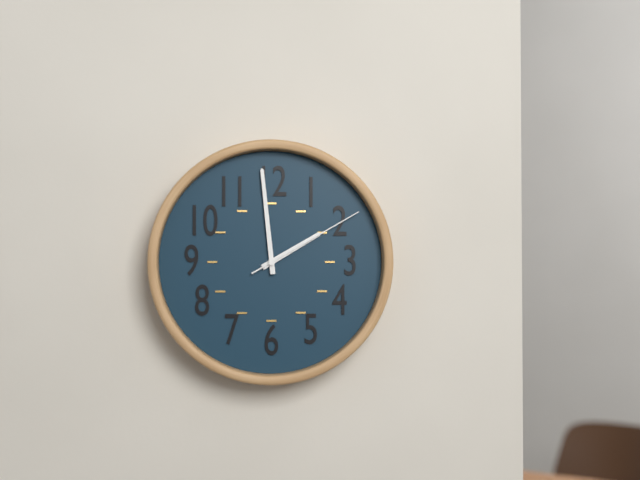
1:59:10
